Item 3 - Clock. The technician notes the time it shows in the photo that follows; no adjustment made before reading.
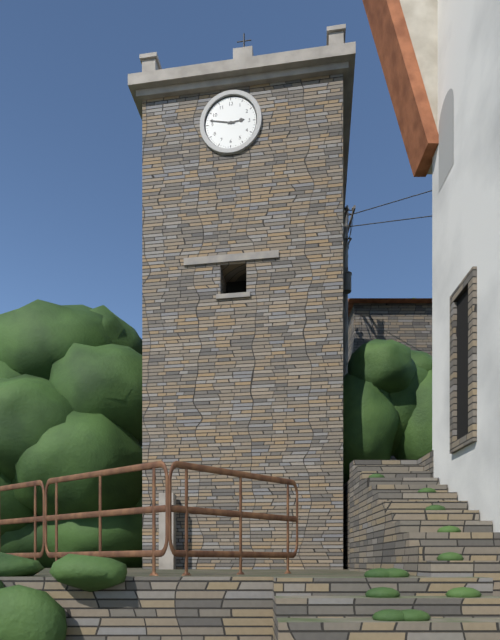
2:47
